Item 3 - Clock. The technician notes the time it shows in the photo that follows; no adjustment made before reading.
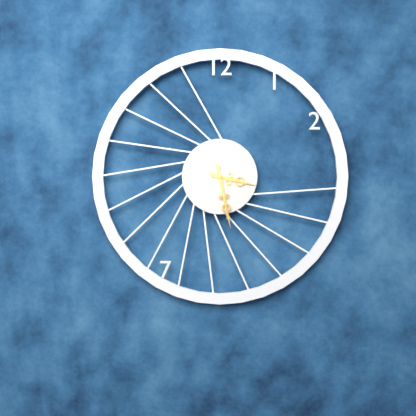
3:28
